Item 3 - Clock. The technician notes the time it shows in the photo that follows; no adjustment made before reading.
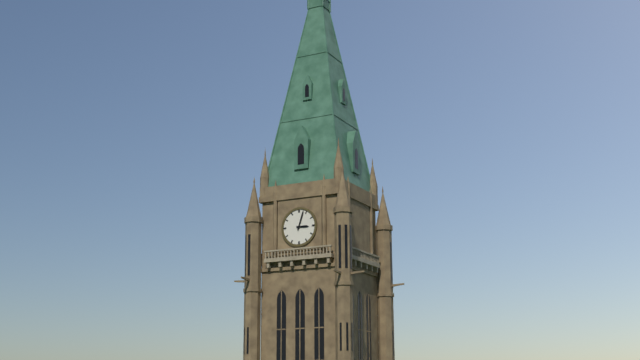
3:03
